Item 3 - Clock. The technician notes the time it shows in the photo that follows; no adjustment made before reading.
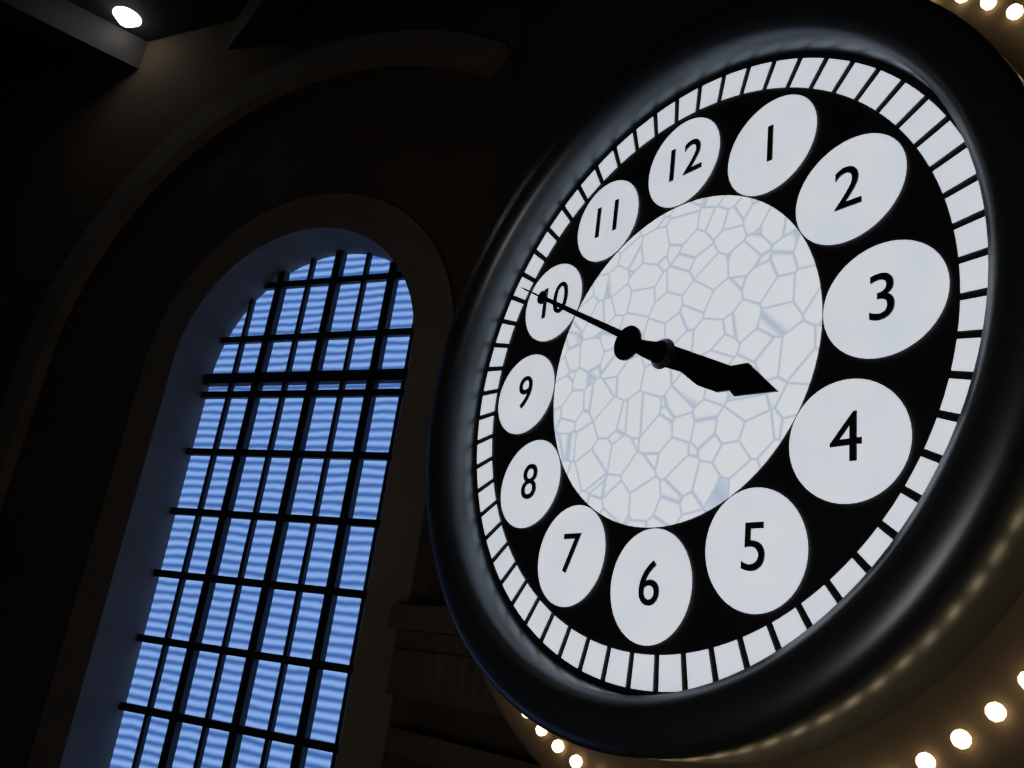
3:50:50
